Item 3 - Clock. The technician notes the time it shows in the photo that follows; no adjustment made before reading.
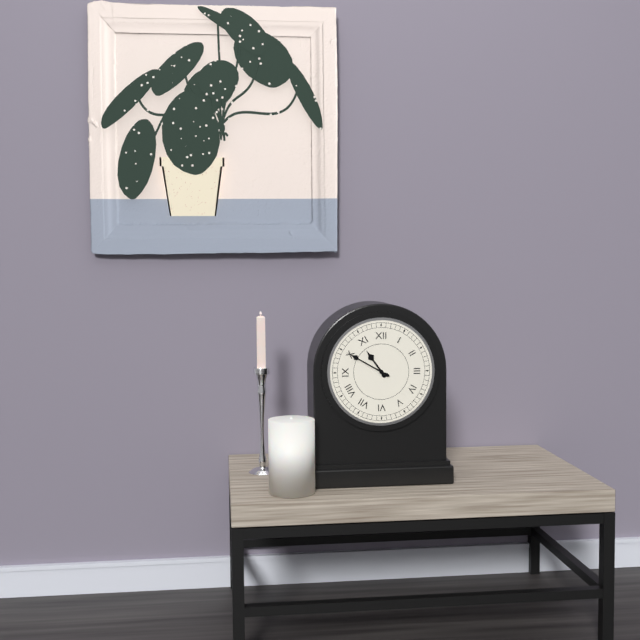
10:50
